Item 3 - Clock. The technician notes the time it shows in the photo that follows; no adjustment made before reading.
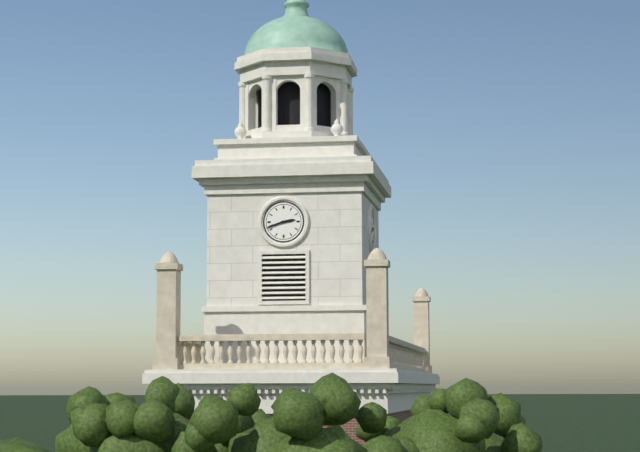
2:42
